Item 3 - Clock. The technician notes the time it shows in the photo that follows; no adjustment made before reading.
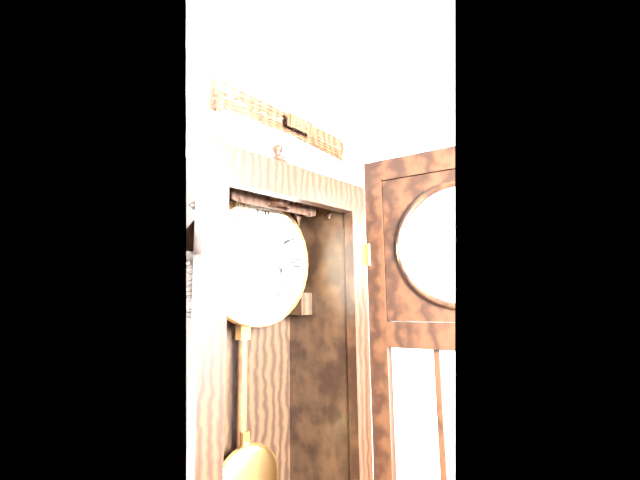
10:09
